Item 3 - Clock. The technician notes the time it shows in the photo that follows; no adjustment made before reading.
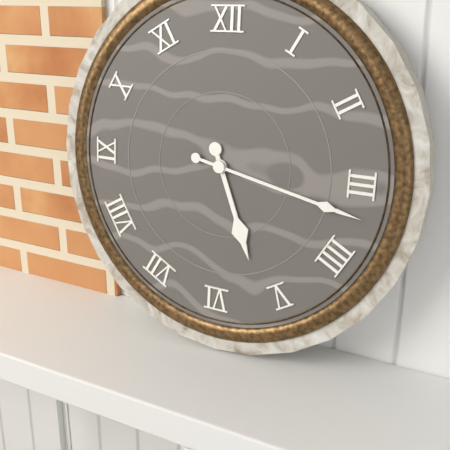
5:17
